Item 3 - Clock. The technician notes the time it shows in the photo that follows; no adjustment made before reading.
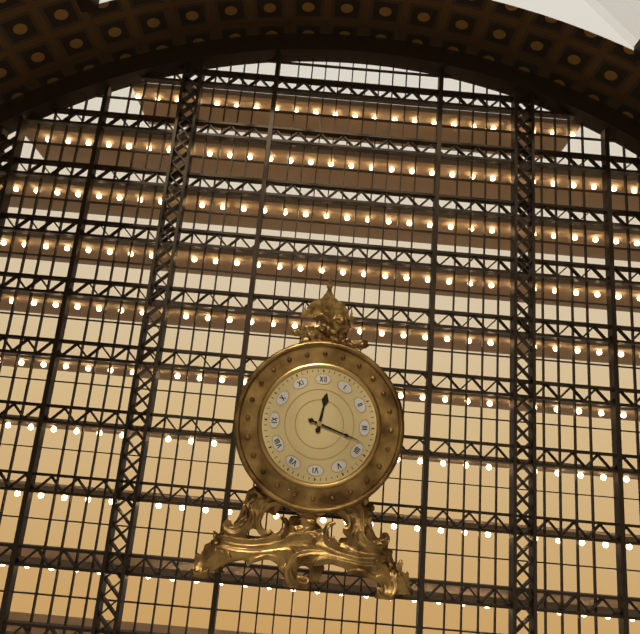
12:18
